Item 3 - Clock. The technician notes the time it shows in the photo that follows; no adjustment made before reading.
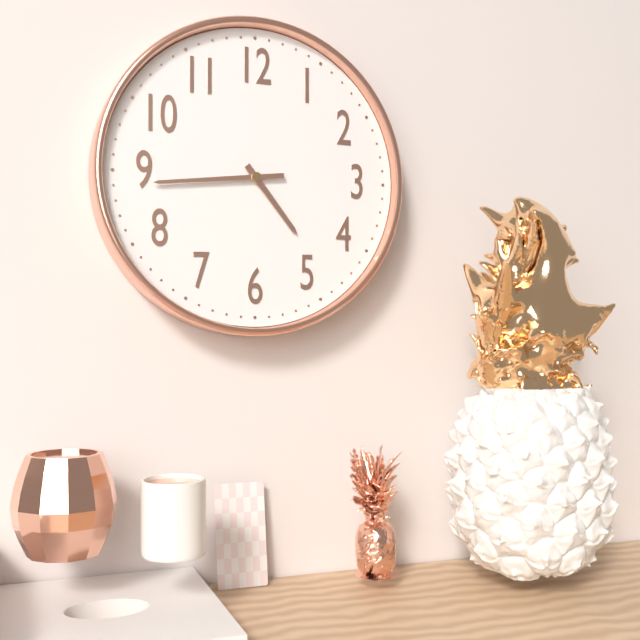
4:44
